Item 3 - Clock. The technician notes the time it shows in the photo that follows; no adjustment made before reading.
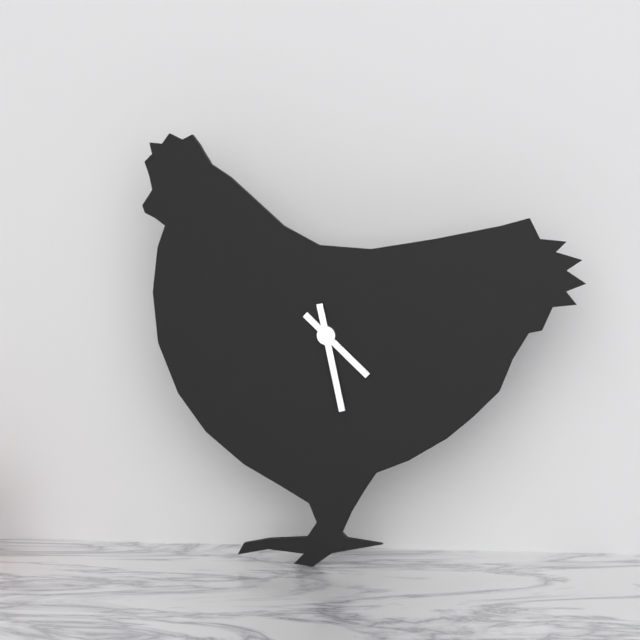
4:28
